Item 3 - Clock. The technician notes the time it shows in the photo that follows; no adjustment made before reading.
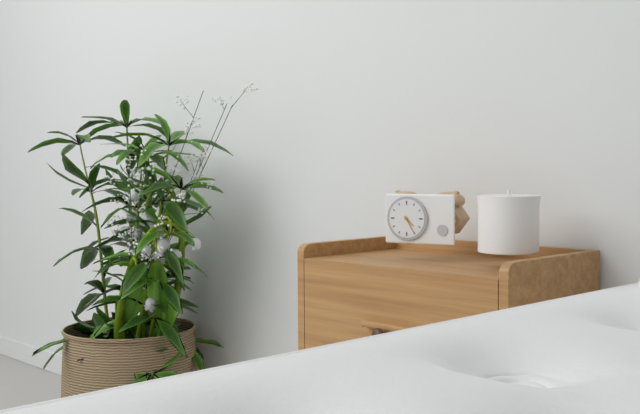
4:25
